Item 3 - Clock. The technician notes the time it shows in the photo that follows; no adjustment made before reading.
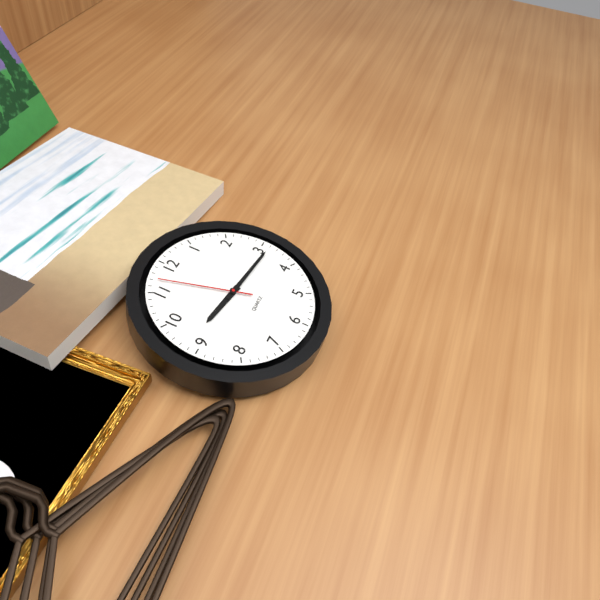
9:16:57
